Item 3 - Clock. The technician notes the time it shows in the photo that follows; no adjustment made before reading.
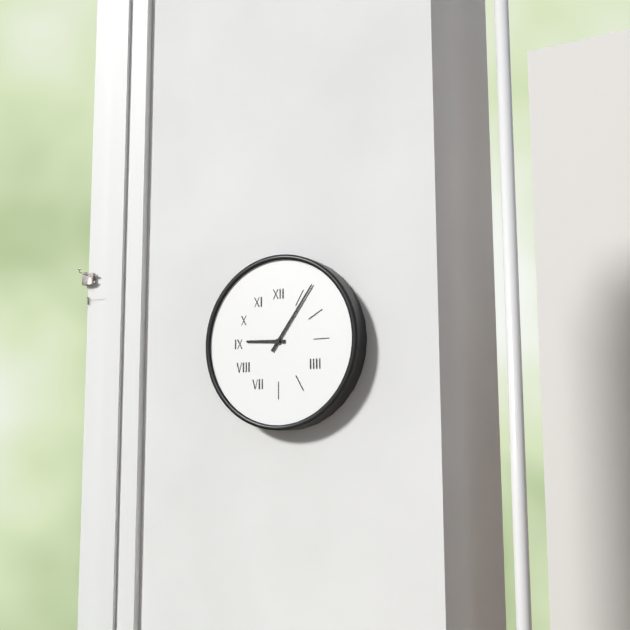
9:06
